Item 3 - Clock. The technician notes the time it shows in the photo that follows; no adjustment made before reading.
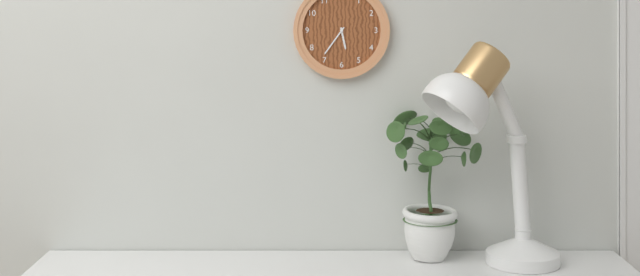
5:36
